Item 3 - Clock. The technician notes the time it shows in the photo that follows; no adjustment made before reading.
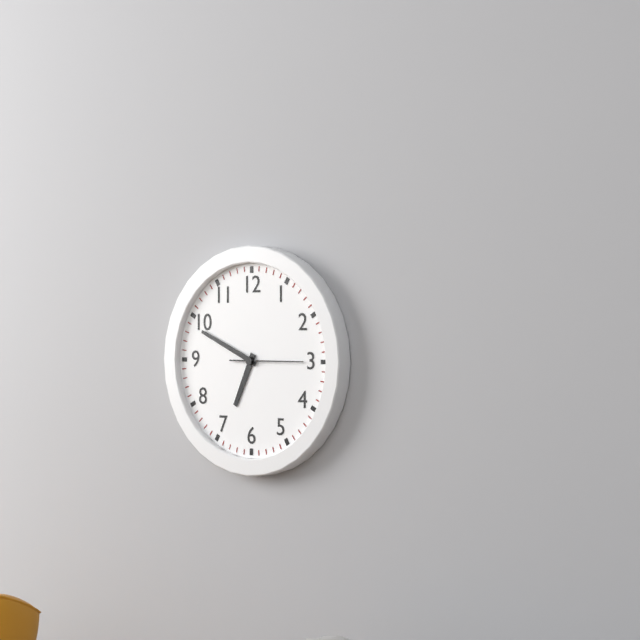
6:49:15
